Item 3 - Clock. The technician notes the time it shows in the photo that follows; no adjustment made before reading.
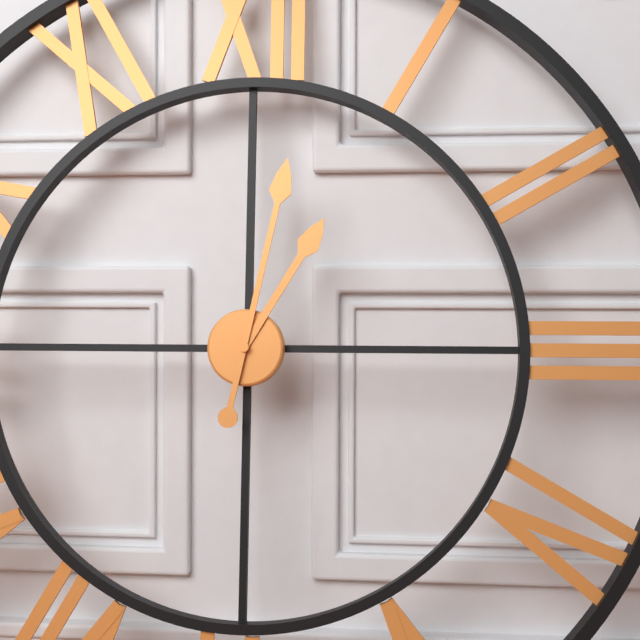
1:02
